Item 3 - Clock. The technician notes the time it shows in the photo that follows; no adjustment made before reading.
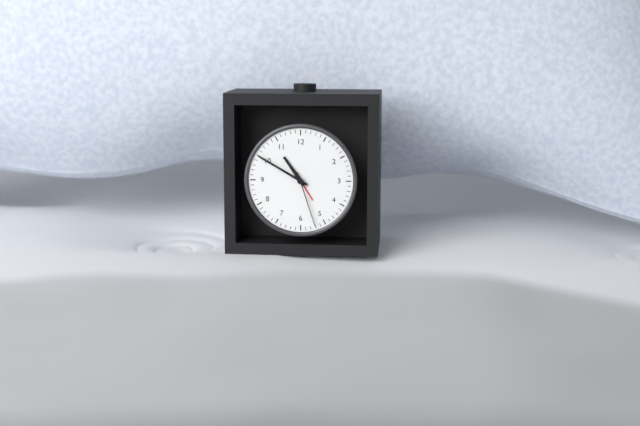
10:50:27
